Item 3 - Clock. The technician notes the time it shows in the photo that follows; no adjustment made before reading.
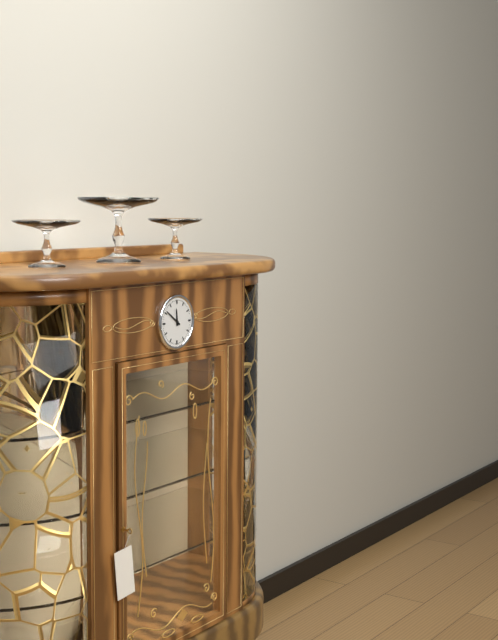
11:51
